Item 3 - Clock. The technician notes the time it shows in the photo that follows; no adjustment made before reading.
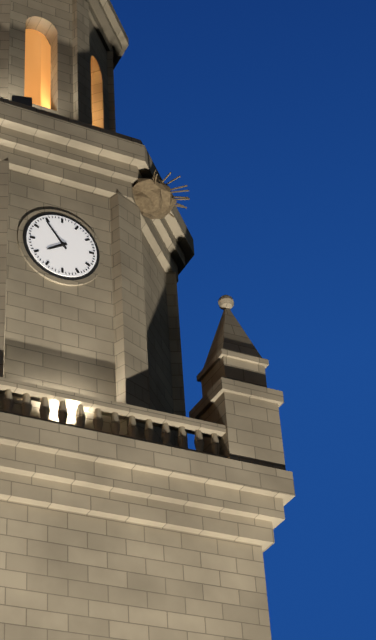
7:54
